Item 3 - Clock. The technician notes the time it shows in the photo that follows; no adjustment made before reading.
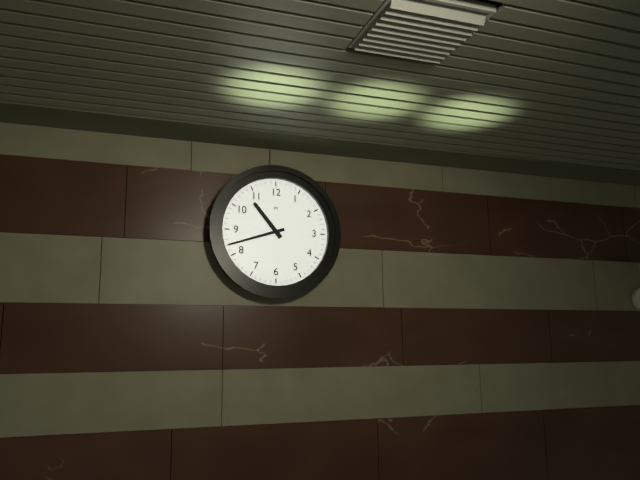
10:42
